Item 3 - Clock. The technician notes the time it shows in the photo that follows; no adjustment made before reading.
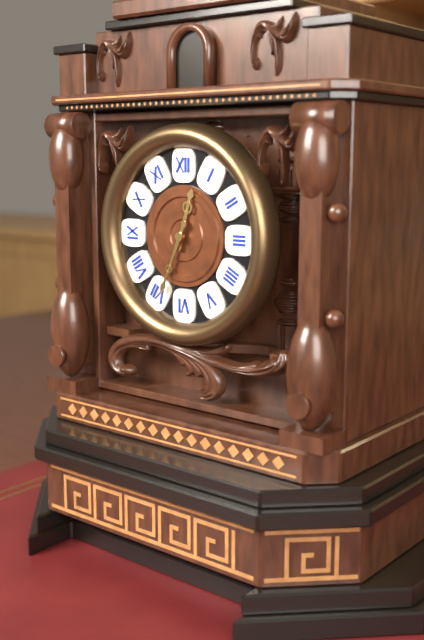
12:34
